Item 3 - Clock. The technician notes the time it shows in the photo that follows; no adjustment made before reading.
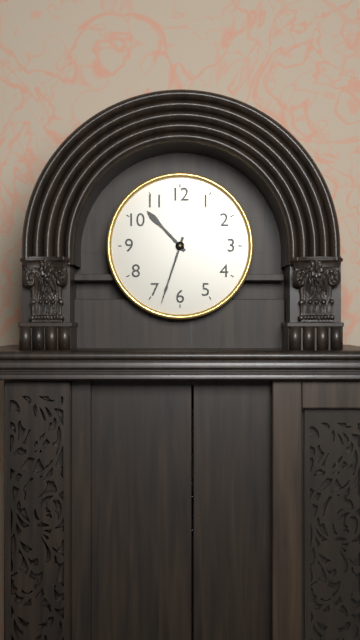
10:33
